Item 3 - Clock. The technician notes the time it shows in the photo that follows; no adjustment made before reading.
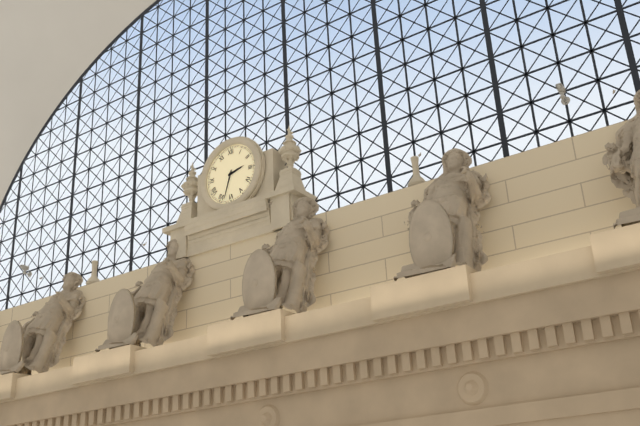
2:33
